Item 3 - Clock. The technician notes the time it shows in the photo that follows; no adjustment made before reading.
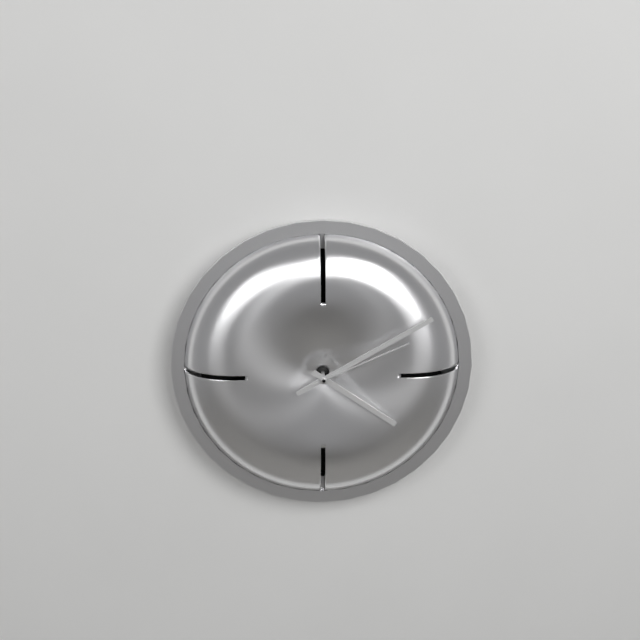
4:10:11
